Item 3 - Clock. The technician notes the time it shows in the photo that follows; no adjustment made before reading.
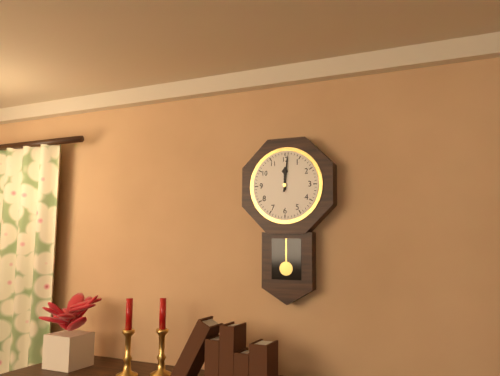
12:01
